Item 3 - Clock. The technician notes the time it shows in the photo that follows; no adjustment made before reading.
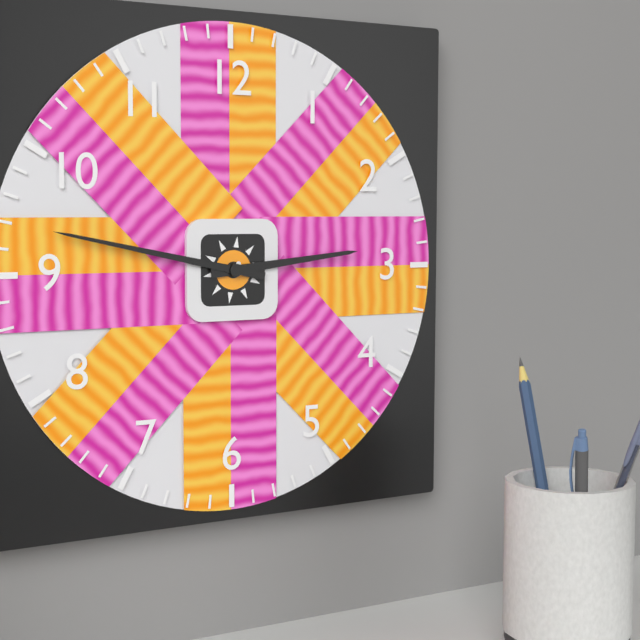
2:47
